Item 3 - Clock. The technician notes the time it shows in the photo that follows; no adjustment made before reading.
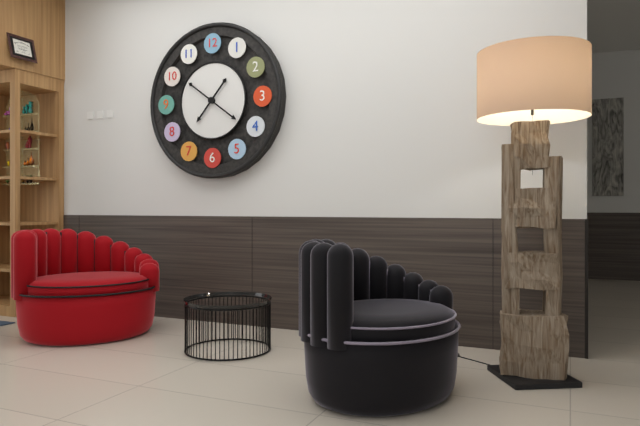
7:21
